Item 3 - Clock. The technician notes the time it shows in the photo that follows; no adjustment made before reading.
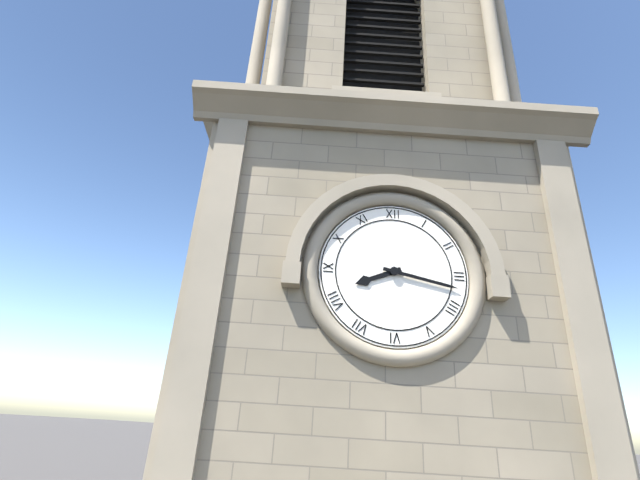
8:17
